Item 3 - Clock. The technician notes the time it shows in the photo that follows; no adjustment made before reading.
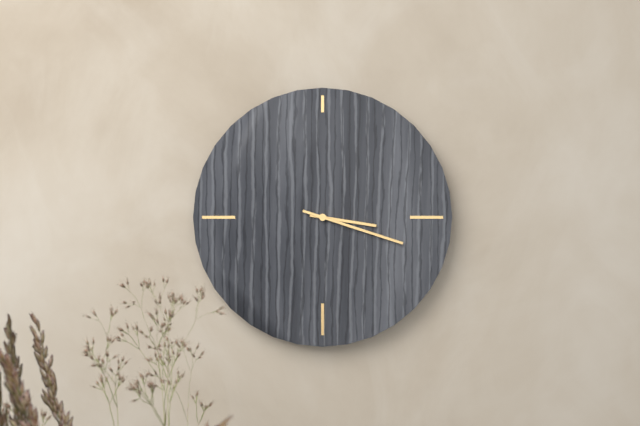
3:18
